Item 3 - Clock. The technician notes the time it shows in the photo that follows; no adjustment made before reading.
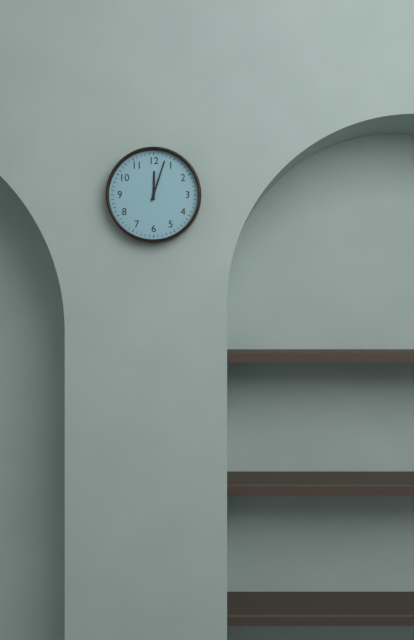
12:03
